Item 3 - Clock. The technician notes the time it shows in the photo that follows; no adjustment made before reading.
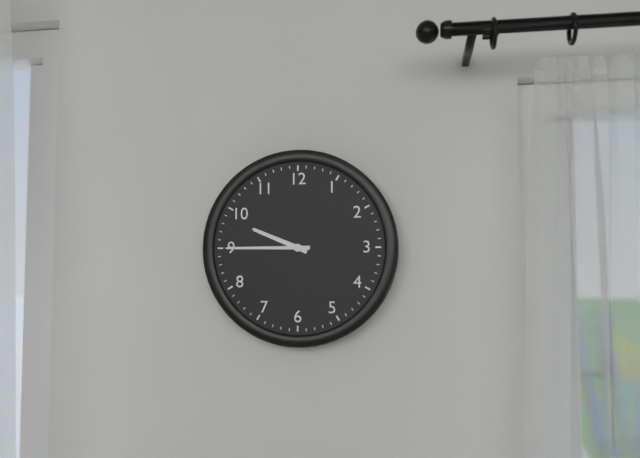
9:45
